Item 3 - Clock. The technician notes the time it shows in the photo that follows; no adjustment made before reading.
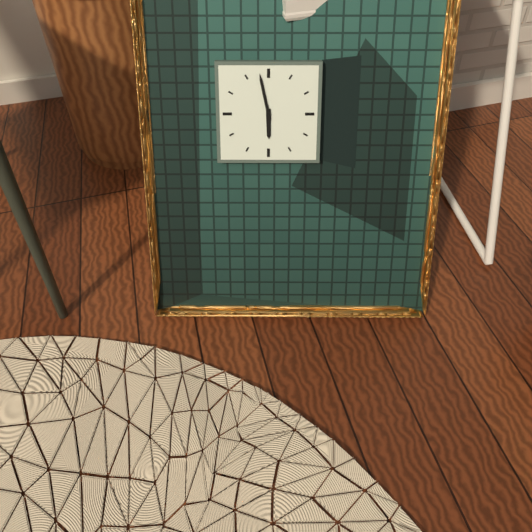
5:58
